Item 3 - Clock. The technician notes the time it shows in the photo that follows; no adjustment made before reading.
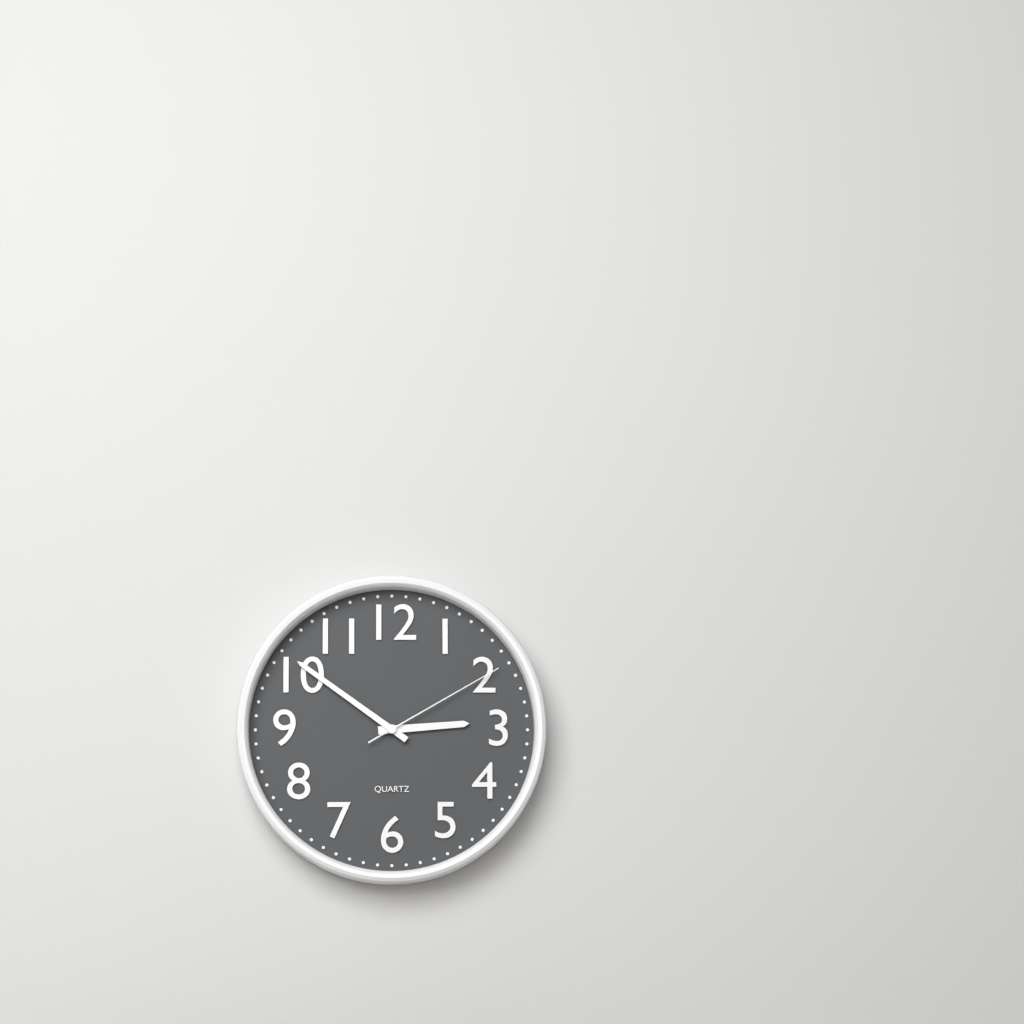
2:51:10
